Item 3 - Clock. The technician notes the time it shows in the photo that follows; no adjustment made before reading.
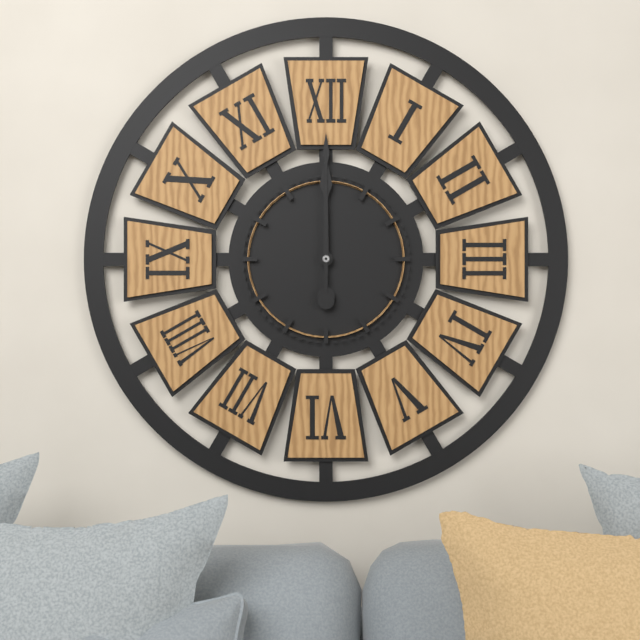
12:00
